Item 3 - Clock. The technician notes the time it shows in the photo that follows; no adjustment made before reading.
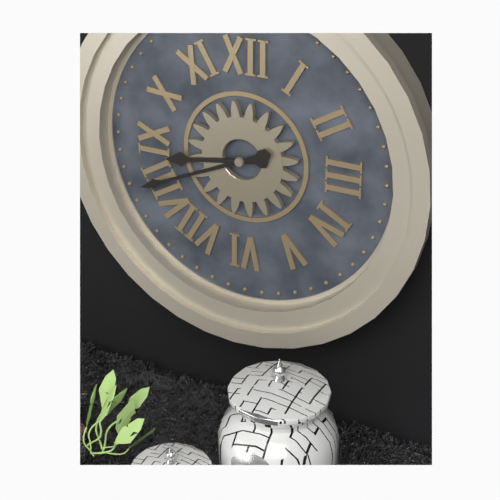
8:41
